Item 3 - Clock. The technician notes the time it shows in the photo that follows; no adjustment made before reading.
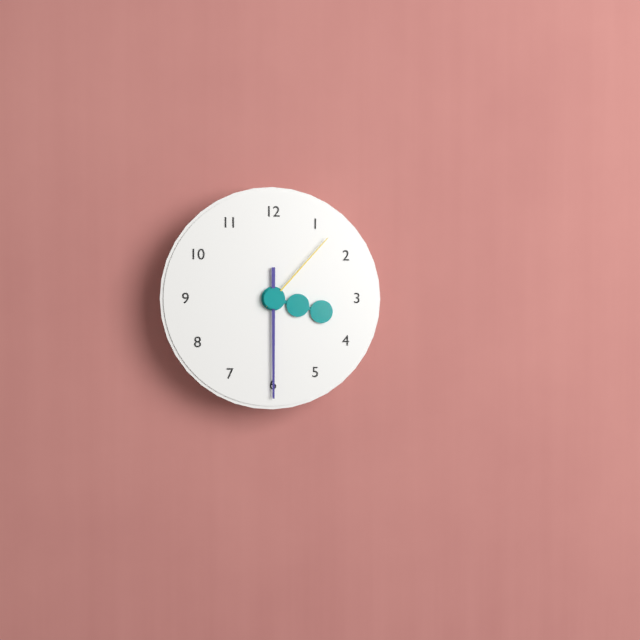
3:30:07
